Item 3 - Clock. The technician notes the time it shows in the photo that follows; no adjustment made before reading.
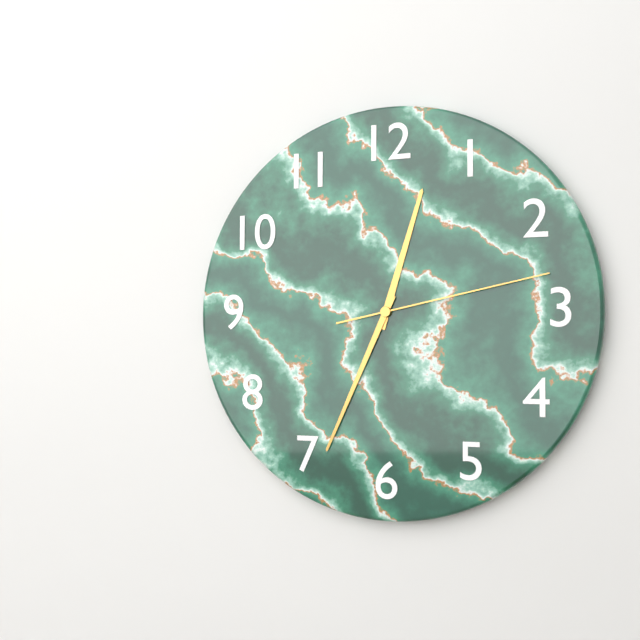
12:34:13
